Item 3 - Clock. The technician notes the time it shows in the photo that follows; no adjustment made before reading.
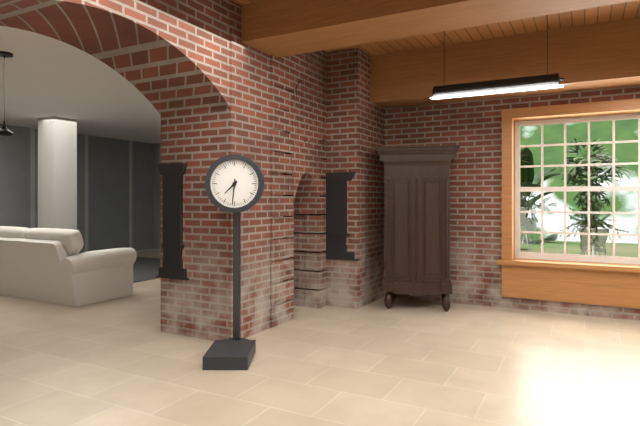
7:31
